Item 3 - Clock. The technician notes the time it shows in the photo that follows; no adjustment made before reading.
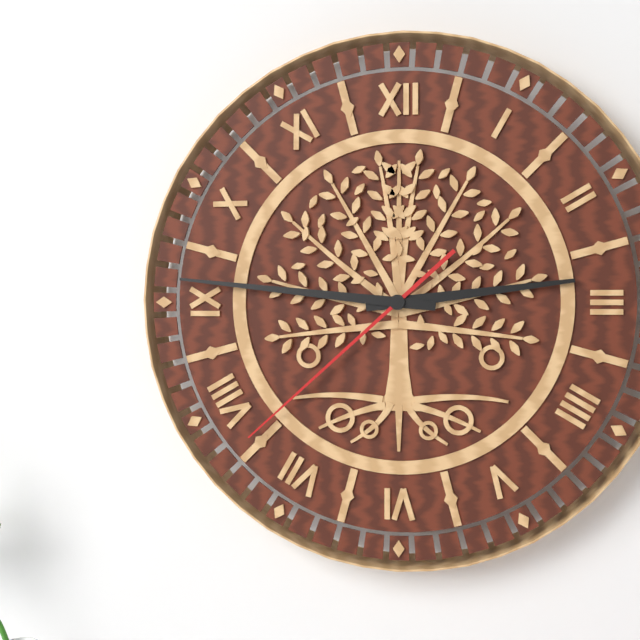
2:46:38
